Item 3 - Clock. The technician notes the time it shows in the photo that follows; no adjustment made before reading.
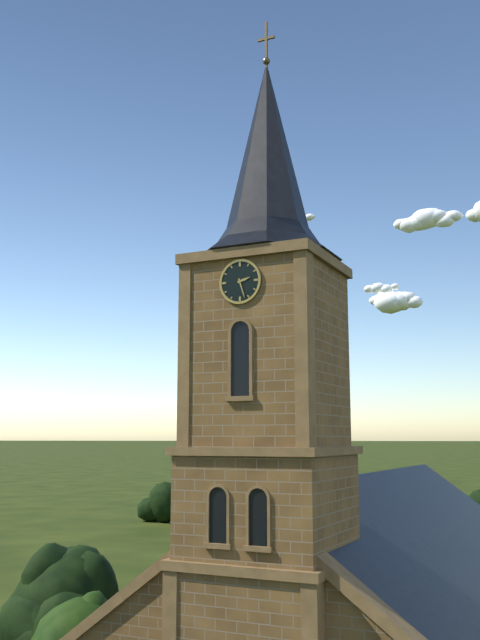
2:27
